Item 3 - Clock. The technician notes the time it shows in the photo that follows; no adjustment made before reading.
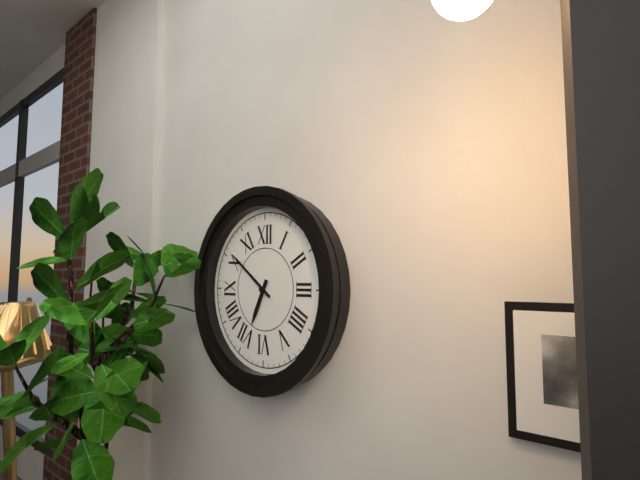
6:51
